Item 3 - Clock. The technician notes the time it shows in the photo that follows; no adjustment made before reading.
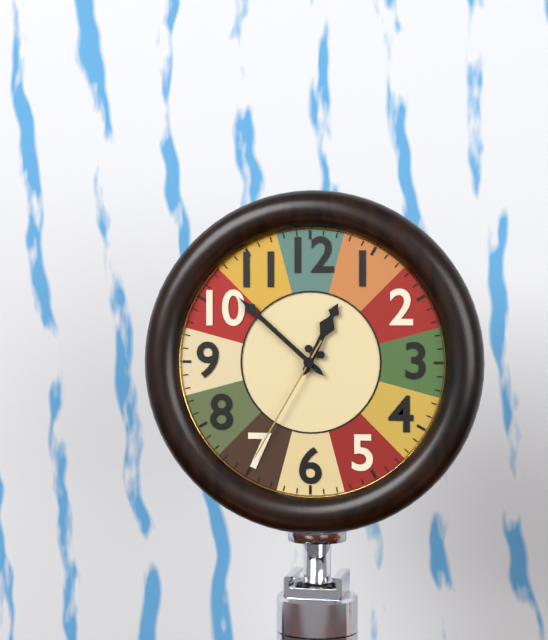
12:52:35
